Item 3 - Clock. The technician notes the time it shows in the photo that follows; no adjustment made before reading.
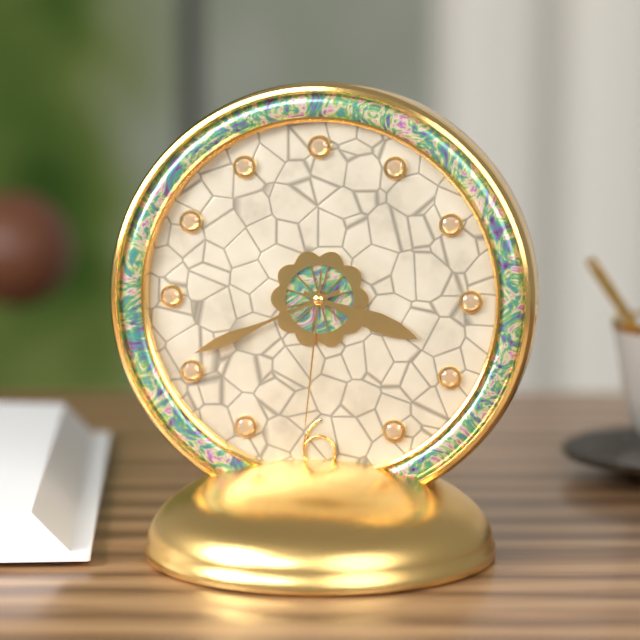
3:41:31
